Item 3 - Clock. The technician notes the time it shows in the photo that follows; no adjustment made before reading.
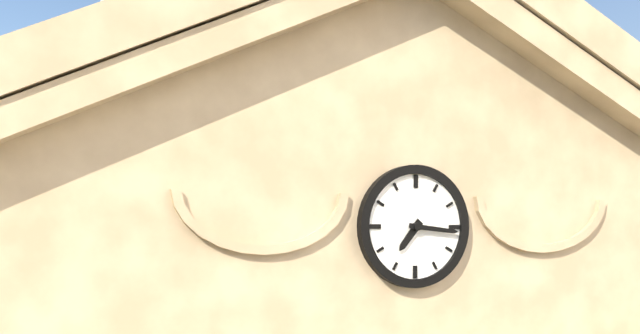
7:16
